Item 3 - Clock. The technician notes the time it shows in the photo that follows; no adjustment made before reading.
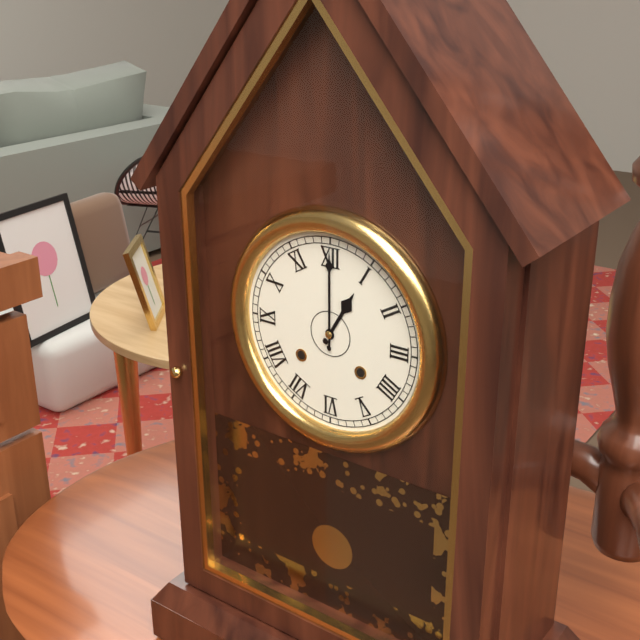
1:00
